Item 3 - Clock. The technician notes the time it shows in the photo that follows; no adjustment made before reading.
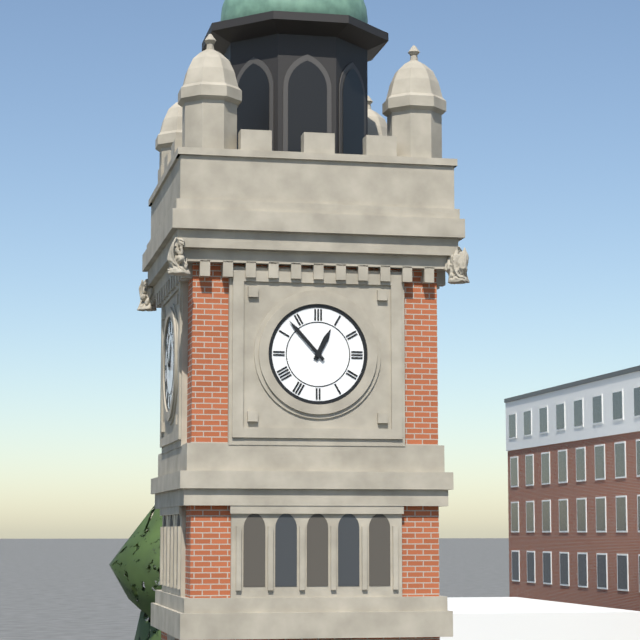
12:53
